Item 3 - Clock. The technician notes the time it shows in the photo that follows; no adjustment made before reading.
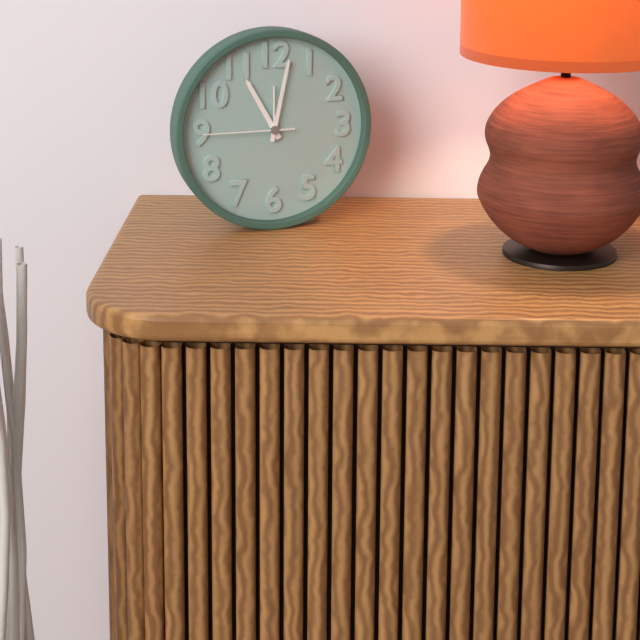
11:02:45
